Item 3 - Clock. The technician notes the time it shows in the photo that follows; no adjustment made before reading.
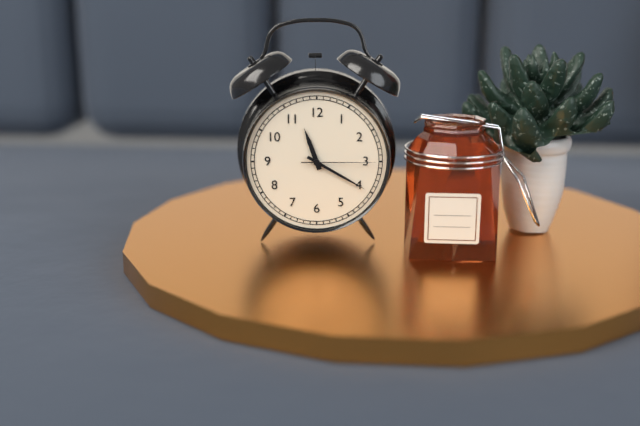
11:20:15
